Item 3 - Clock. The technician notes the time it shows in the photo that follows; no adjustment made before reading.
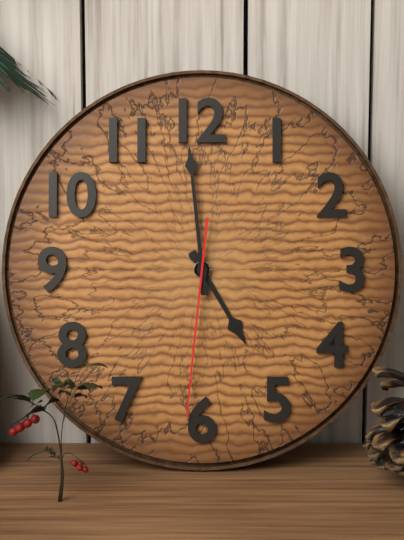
4:59:31
